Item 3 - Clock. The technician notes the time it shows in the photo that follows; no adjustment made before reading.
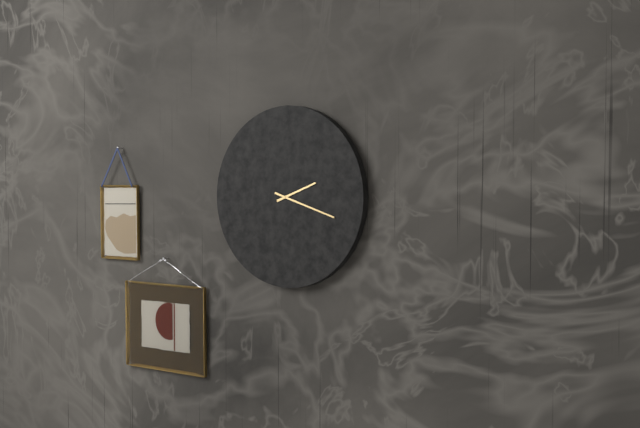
2:18
